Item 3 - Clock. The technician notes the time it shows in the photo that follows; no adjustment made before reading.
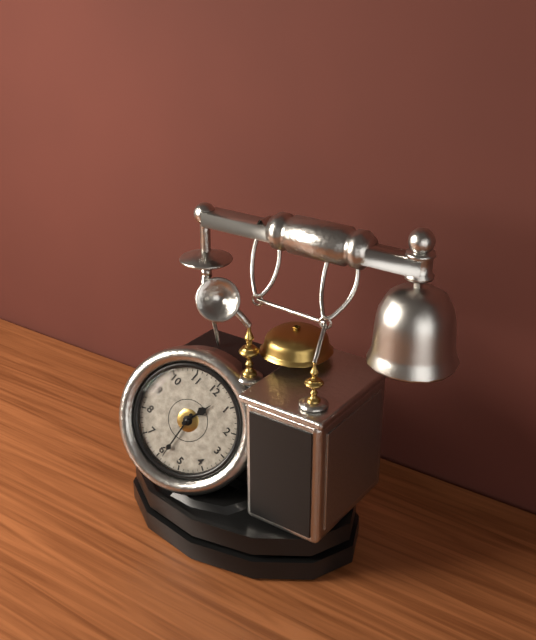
12:29
